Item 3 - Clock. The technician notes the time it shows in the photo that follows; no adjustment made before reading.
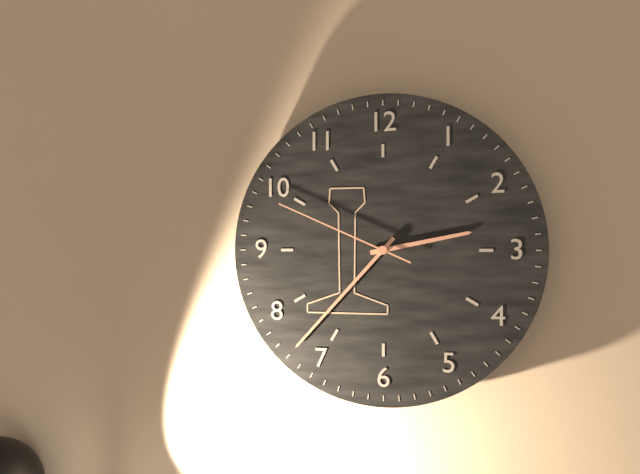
2:37:49
